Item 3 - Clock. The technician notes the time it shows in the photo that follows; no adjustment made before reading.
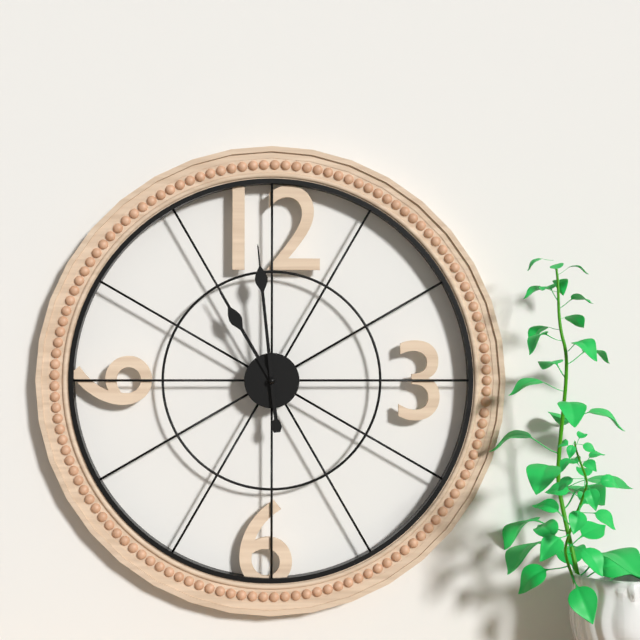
10:59
